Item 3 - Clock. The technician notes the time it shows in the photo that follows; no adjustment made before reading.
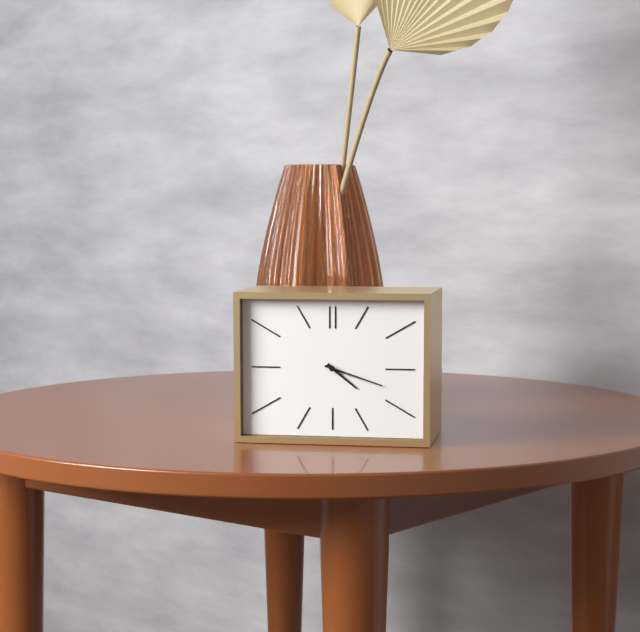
4:18
